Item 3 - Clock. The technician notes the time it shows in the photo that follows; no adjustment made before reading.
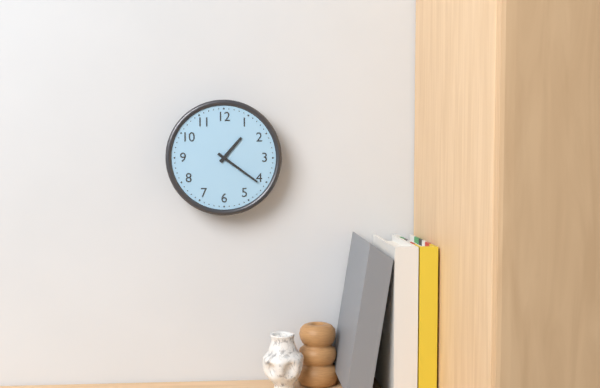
1:21
